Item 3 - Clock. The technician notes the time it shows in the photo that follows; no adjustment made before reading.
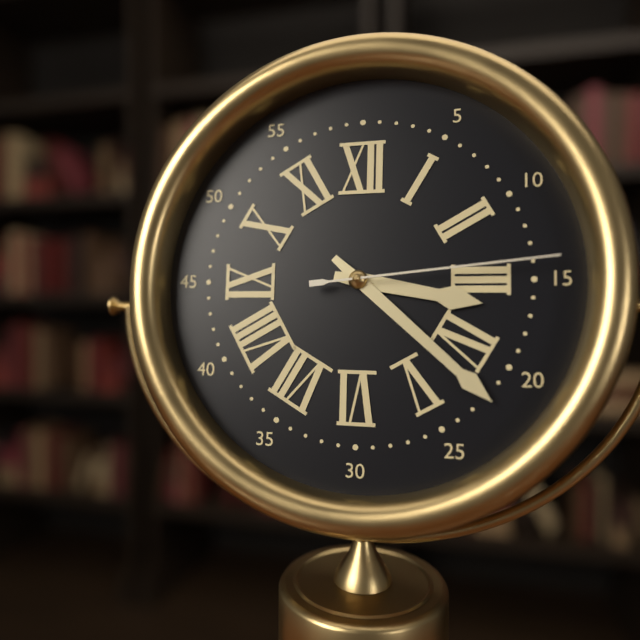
3:22:14
